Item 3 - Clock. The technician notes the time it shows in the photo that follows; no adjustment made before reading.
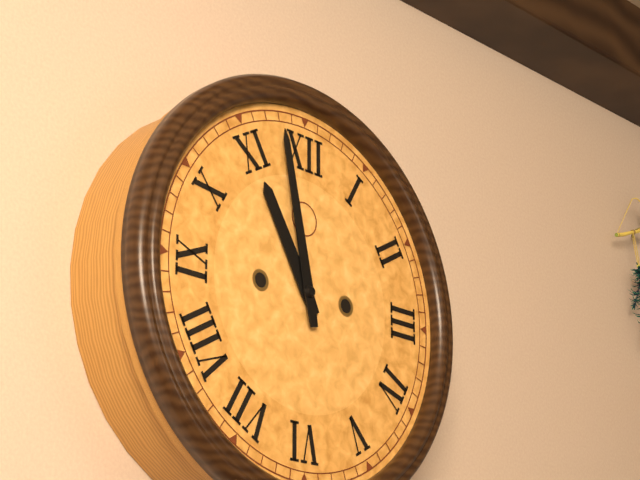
10:58
